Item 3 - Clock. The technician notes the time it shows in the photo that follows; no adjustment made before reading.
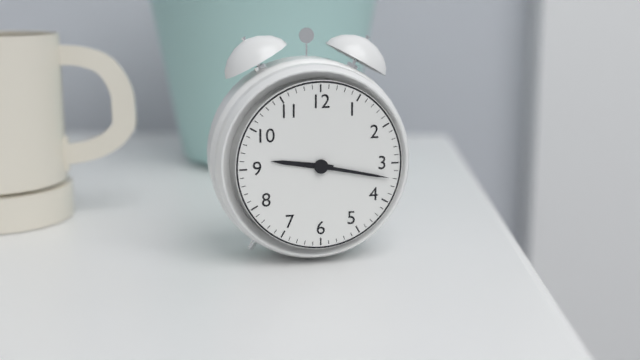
9:17
